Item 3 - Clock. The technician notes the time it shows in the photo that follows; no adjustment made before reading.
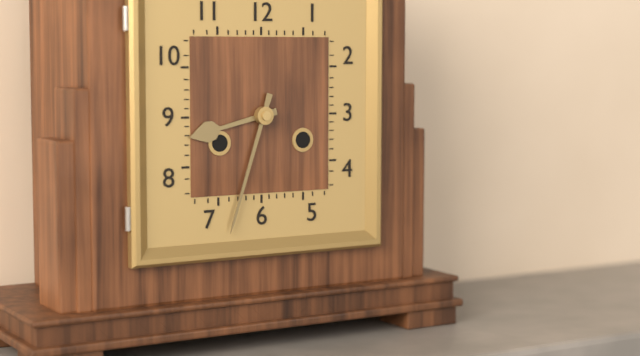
8:33
